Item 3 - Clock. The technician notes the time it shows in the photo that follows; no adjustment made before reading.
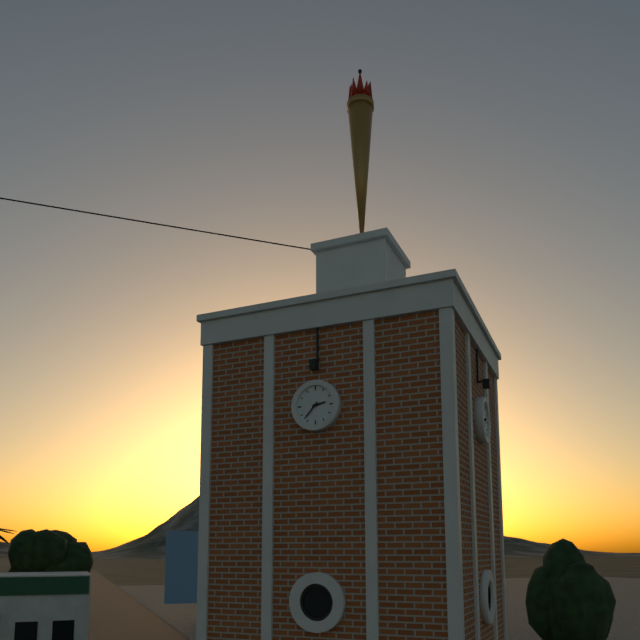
2:37
